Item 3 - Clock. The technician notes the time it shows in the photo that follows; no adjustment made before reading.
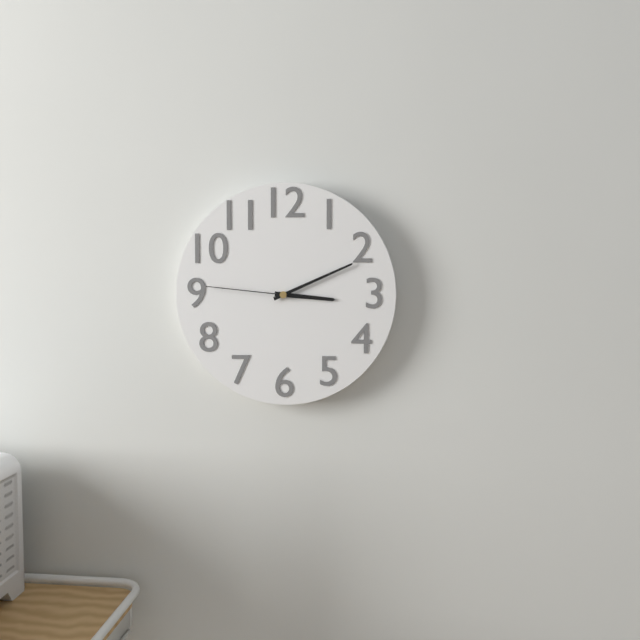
3:11:46
